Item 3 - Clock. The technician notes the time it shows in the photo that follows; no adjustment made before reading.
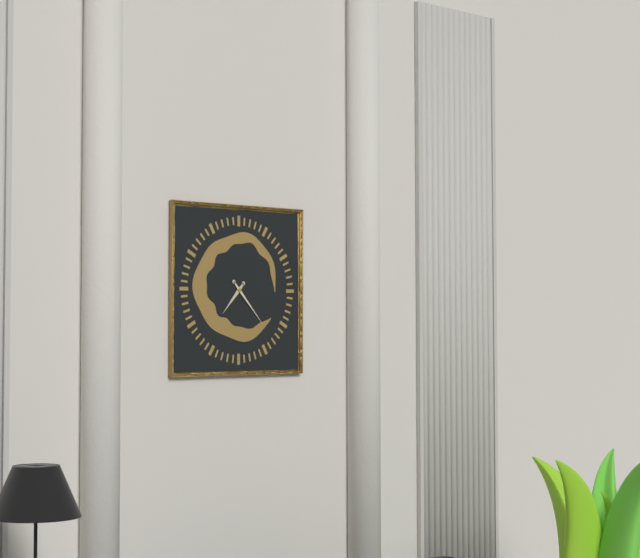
7:23
